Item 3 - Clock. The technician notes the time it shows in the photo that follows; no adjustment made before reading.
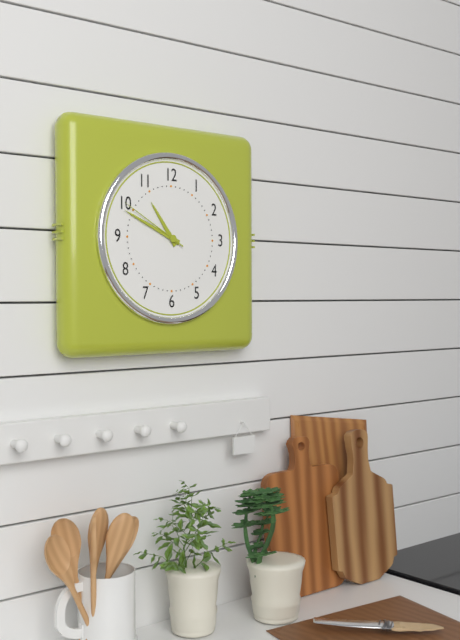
10:49:50
